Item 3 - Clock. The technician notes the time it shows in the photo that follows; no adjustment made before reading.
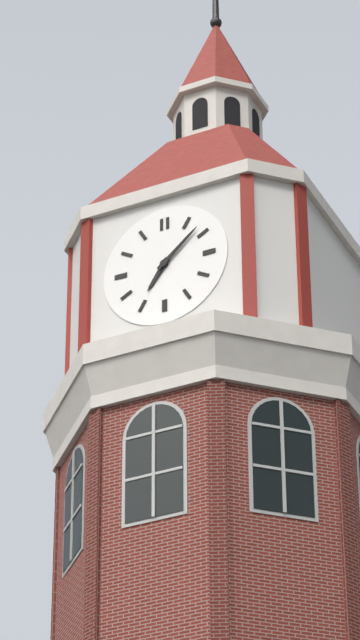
7:08
